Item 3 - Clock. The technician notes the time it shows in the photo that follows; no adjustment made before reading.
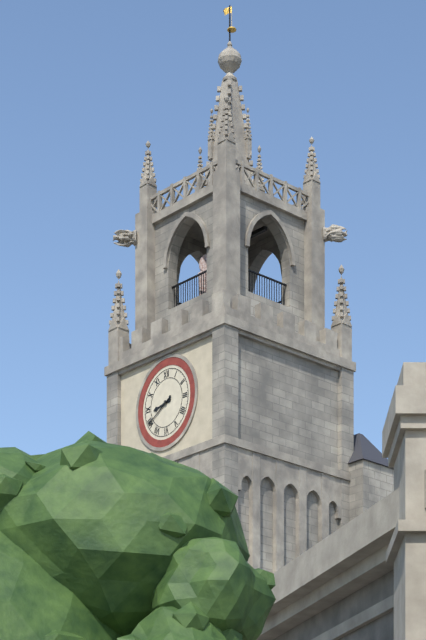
8:40
